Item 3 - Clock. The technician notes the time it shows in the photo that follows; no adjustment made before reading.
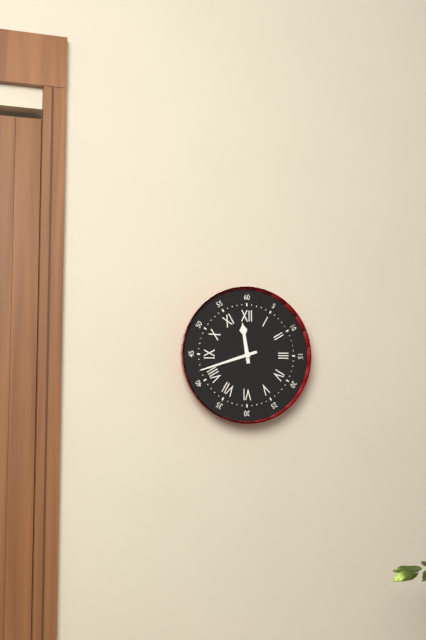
11:42
